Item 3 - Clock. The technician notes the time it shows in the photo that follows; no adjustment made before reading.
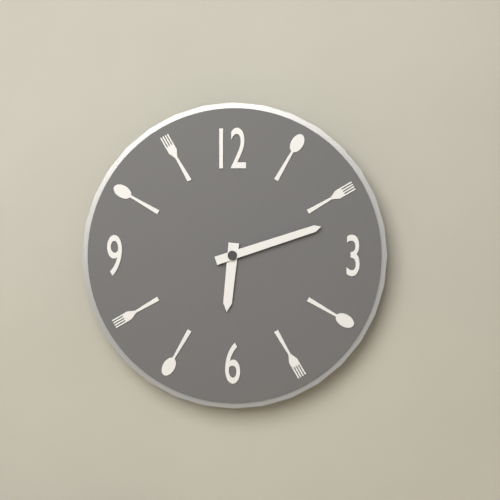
6:12
